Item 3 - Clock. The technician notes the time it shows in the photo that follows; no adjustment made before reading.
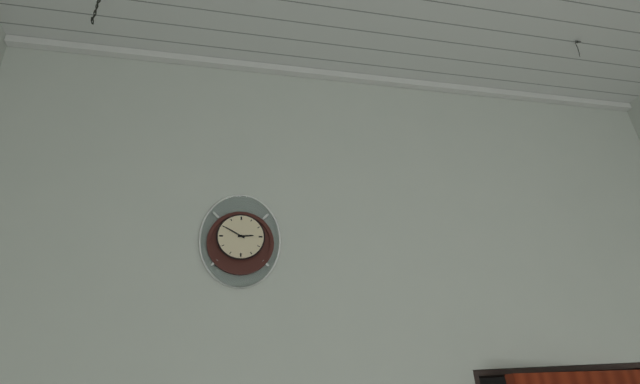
2:50
